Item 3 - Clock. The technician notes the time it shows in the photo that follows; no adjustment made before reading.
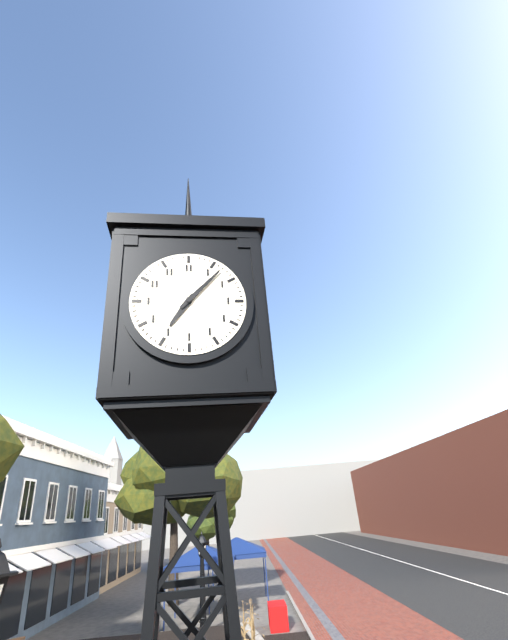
7:07
